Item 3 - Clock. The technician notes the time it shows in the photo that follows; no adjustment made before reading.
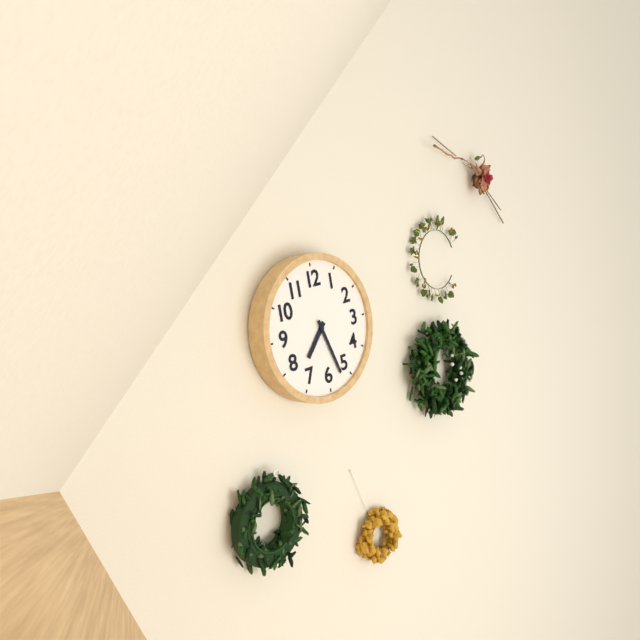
7:27
